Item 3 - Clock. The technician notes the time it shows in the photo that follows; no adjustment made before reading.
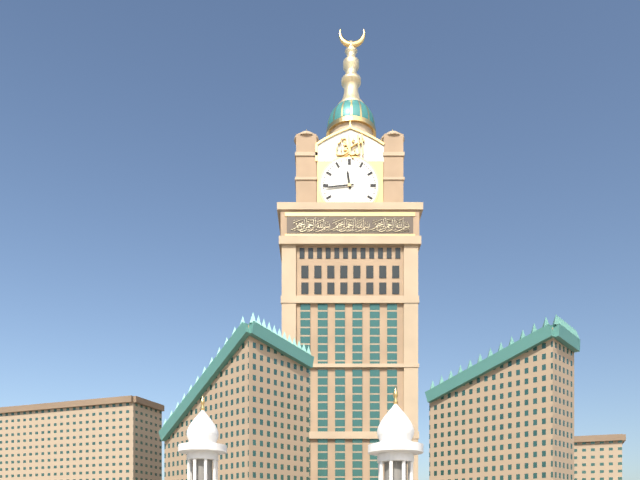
11:44
